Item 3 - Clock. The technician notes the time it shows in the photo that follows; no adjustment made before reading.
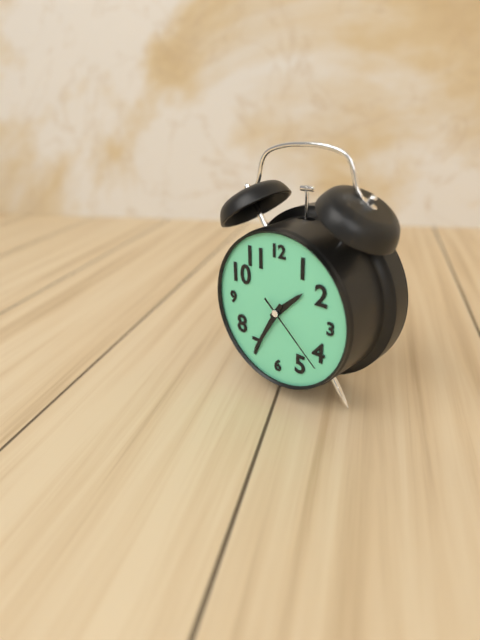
1:35:22
